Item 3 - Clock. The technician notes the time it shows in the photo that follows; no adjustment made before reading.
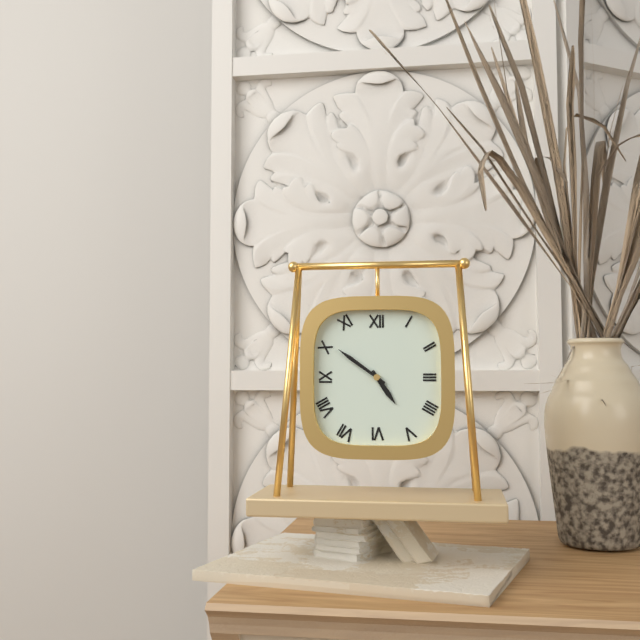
4:51
